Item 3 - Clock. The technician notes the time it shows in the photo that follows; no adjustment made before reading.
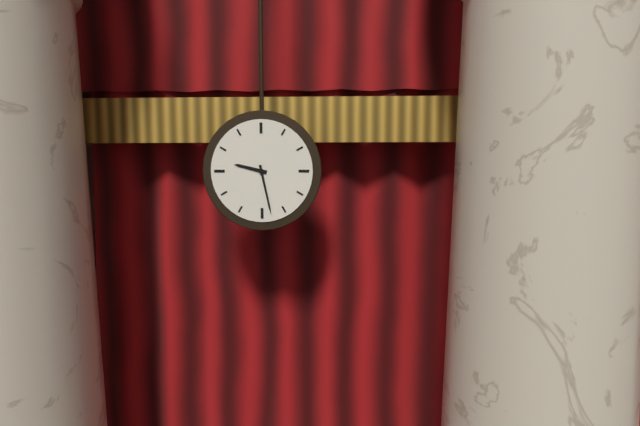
9:28
